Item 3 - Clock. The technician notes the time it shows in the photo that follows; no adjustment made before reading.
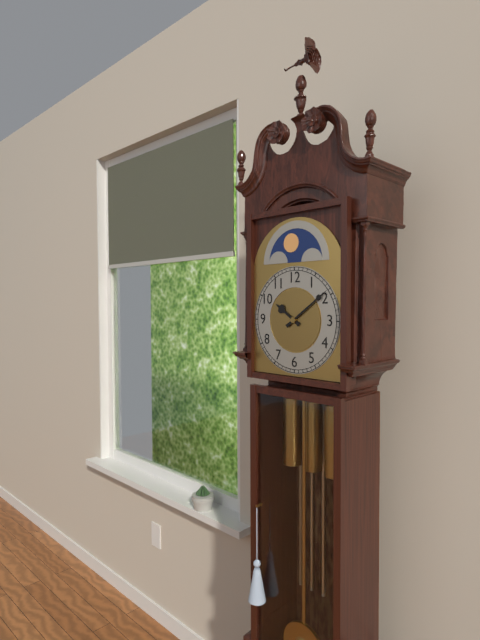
10:09
